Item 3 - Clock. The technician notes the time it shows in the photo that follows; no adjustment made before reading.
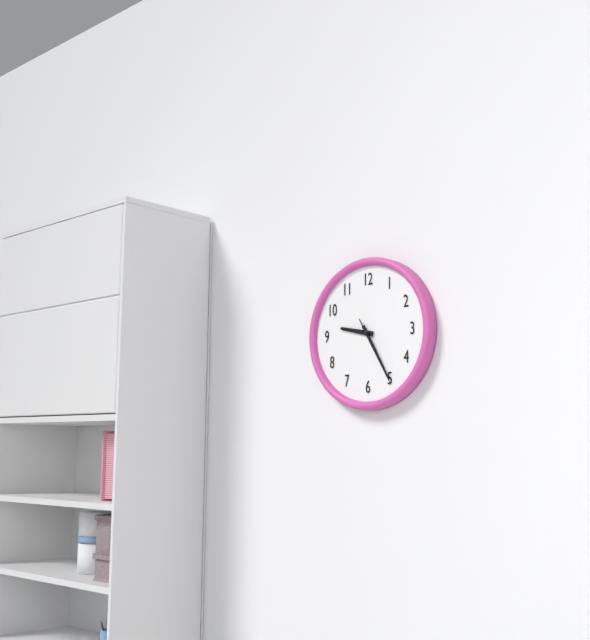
9:25:25
